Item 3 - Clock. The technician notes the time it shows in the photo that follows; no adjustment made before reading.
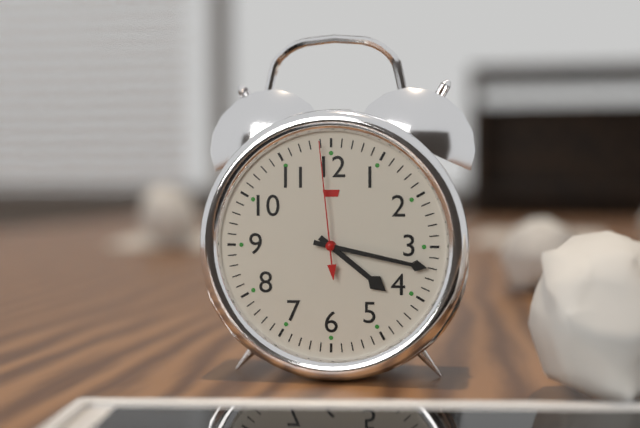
4:17:59
